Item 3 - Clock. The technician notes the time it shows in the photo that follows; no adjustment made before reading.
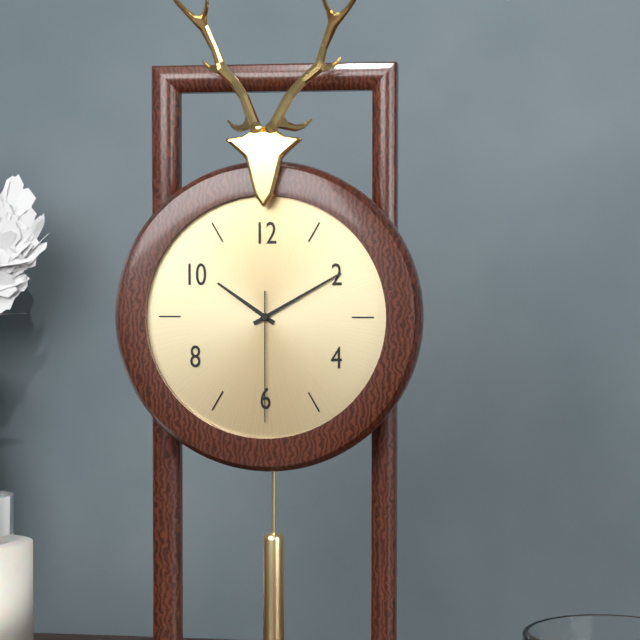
10:10:30
